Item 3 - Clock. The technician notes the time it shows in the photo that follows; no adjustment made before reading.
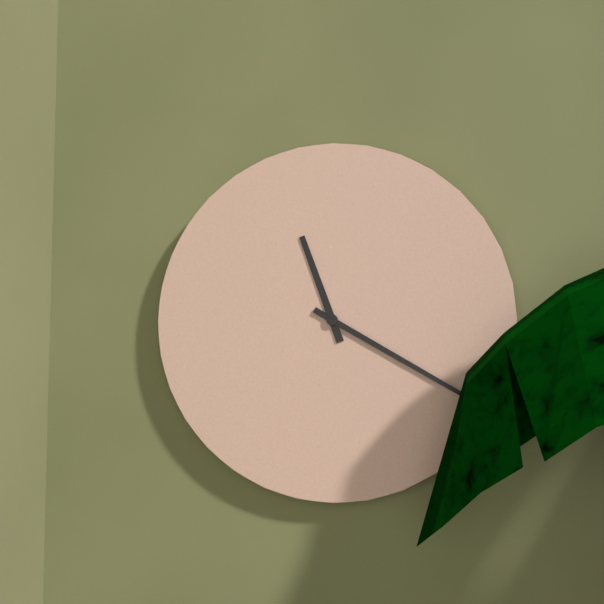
11:20
